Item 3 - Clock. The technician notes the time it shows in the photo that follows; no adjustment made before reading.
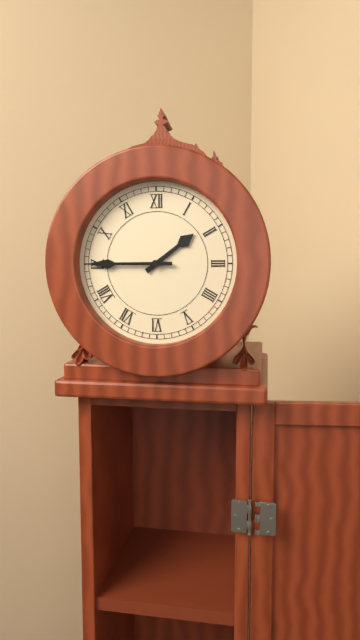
1:45
